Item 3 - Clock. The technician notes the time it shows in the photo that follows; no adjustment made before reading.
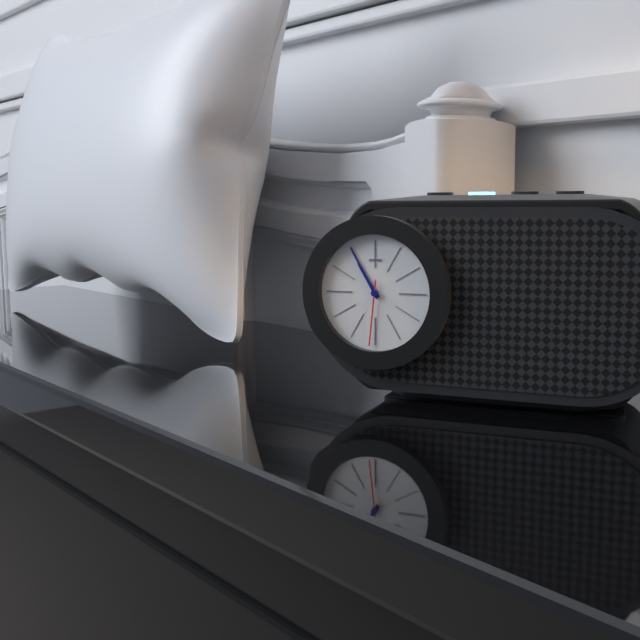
10:55:31
